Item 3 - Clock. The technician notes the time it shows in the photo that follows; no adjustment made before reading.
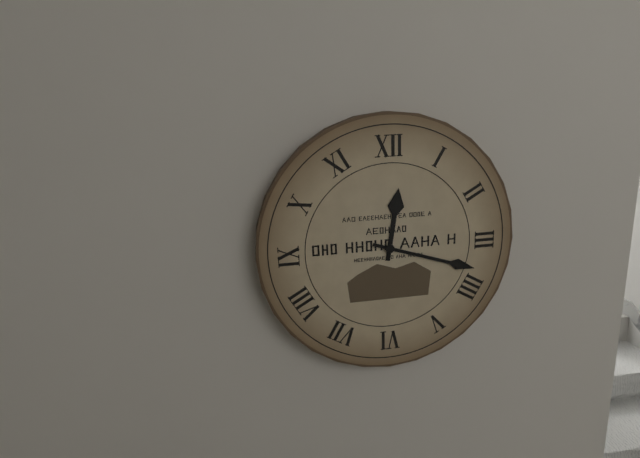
12:18
